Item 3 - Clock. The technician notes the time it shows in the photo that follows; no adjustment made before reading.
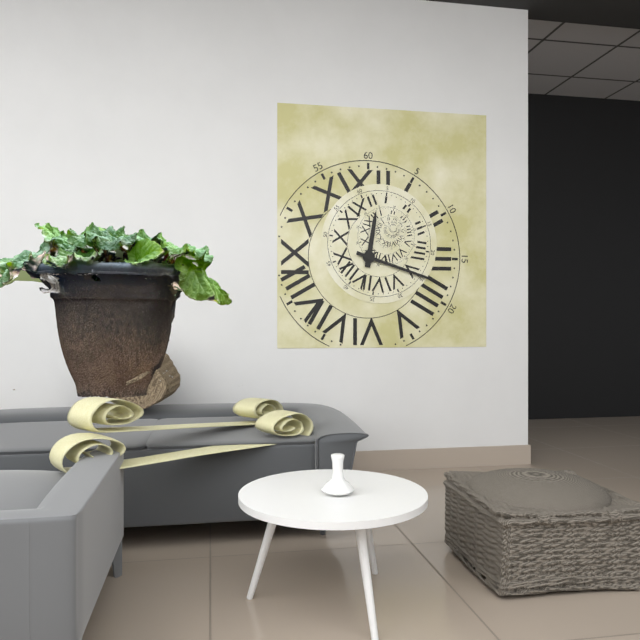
12:18
